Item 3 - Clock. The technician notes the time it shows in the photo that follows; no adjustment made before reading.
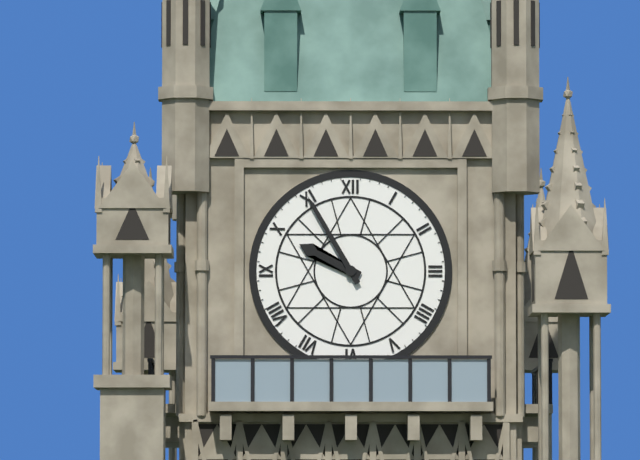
9:55
